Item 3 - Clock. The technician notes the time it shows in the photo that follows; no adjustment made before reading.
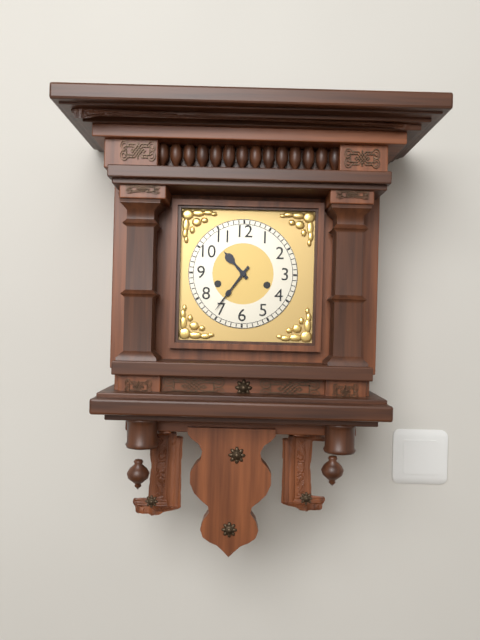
10:36
